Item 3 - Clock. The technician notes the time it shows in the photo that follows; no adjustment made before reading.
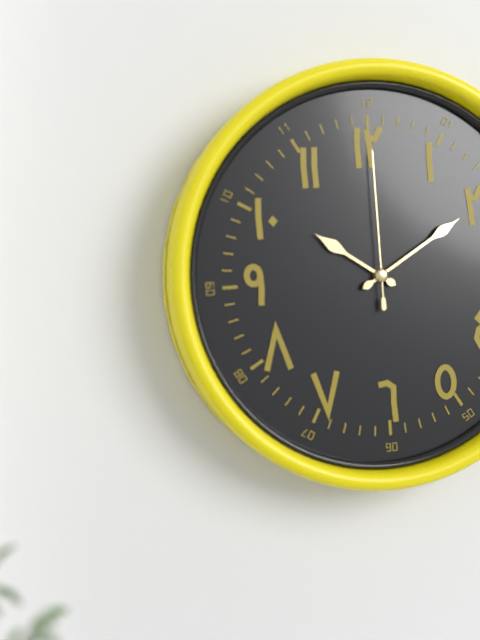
10:10:00
